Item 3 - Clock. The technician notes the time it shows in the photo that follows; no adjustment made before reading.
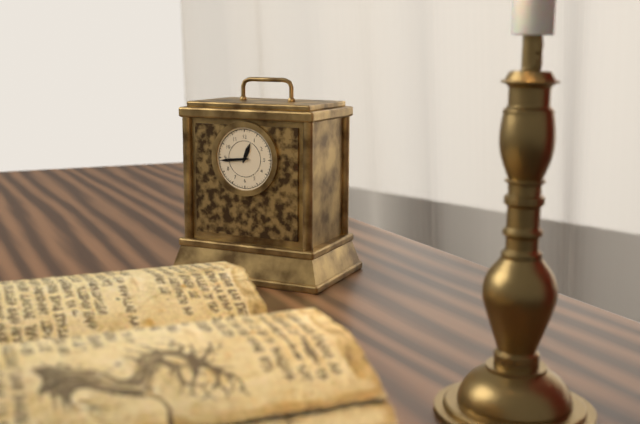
12:44
